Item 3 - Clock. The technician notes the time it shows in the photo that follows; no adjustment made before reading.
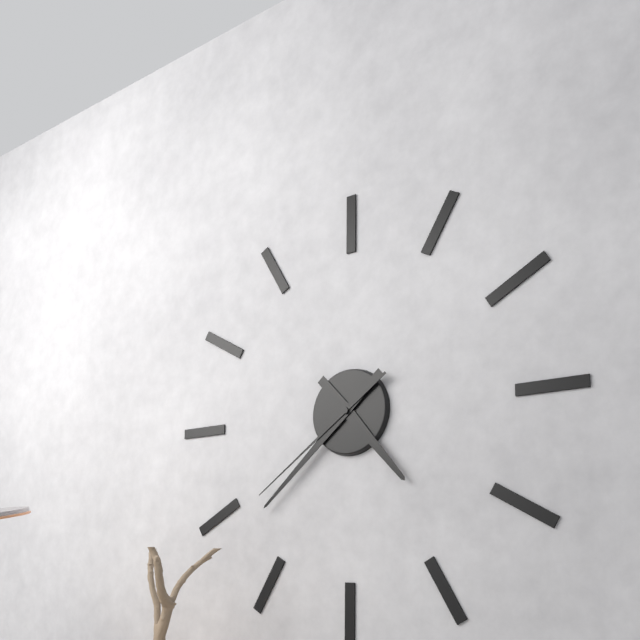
4:38:39
